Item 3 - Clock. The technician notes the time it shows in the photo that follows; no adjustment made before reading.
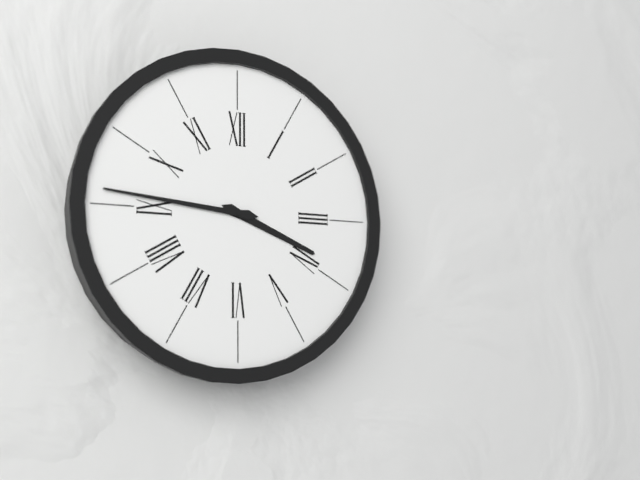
3:46
